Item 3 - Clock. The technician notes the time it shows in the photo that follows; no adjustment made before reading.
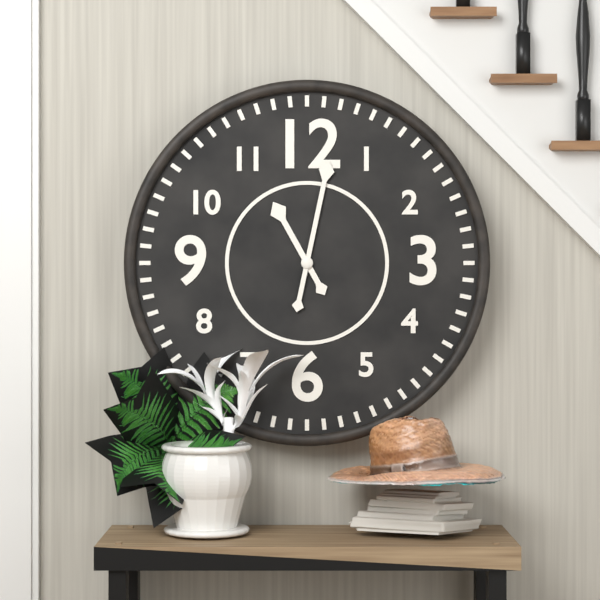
11:02
